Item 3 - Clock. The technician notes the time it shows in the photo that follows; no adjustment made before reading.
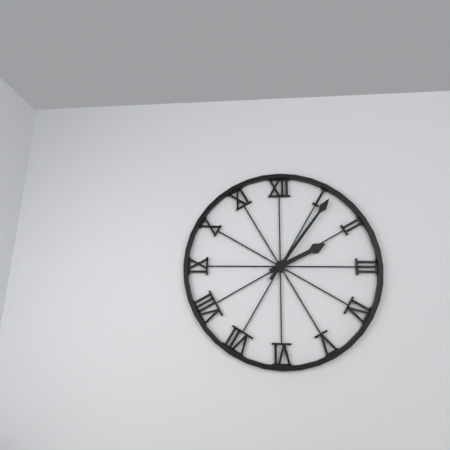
2:06
